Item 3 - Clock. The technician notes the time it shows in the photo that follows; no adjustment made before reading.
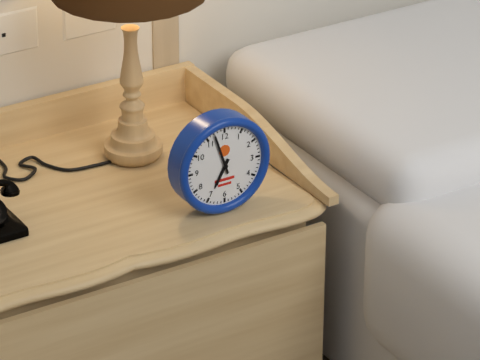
6:57
